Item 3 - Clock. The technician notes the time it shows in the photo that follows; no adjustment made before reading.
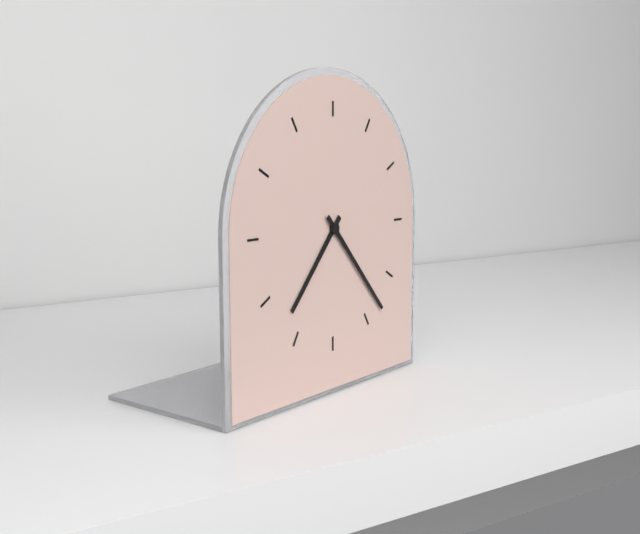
7:23
